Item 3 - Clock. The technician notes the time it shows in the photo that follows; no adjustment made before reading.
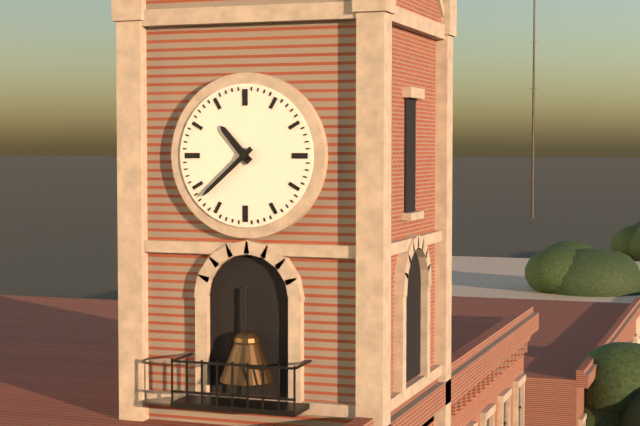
10:38
